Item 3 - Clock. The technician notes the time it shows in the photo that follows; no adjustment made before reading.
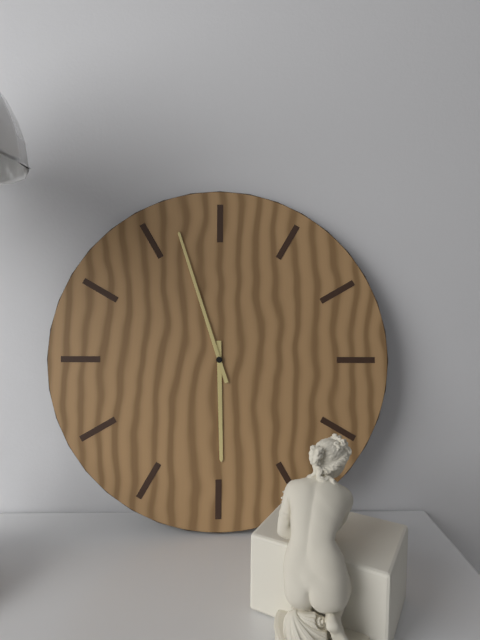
5:57
